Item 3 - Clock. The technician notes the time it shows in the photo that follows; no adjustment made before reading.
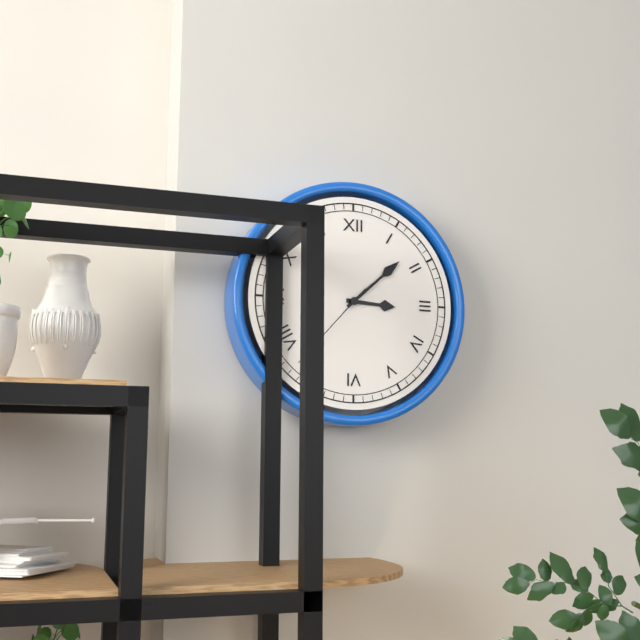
3:08
